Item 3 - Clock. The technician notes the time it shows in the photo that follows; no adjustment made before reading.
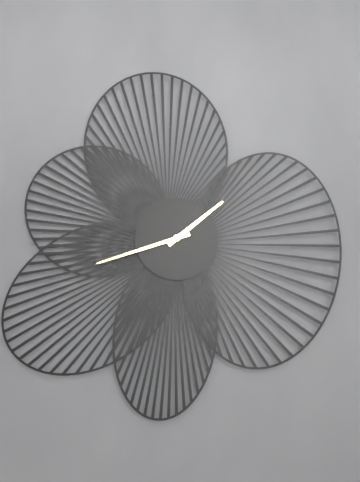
1:42
